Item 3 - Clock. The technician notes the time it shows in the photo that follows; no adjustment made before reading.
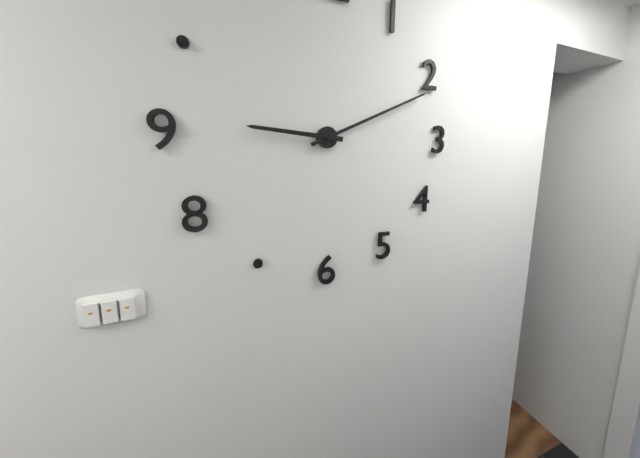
9:11
